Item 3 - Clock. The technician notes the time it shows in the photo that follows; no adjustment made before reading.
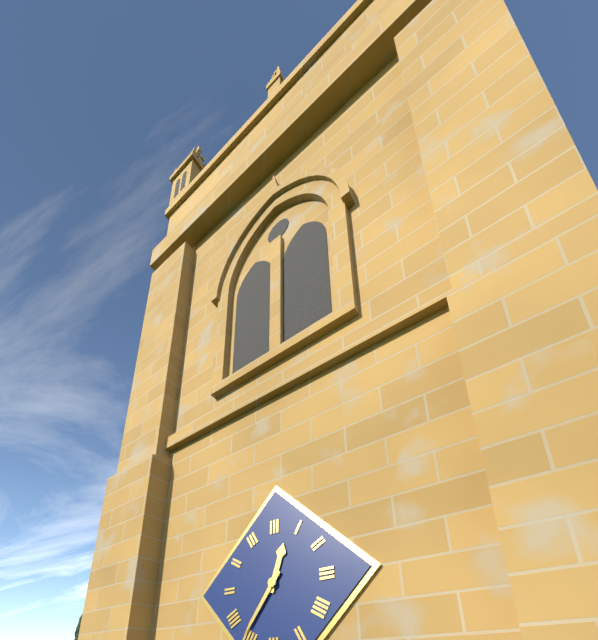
12:36
